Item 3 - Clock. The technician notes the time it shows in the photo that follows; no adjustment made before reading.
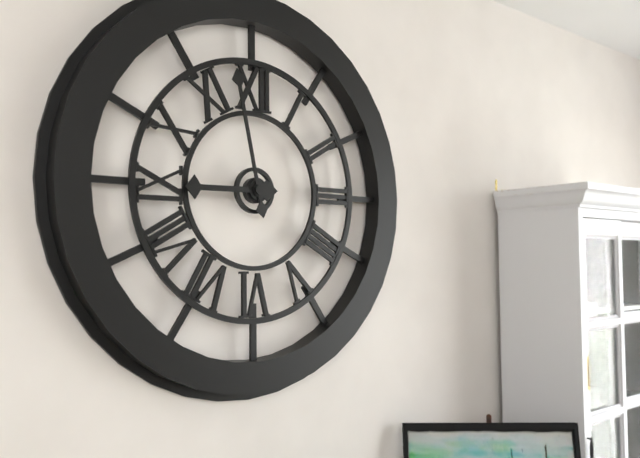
8:58
